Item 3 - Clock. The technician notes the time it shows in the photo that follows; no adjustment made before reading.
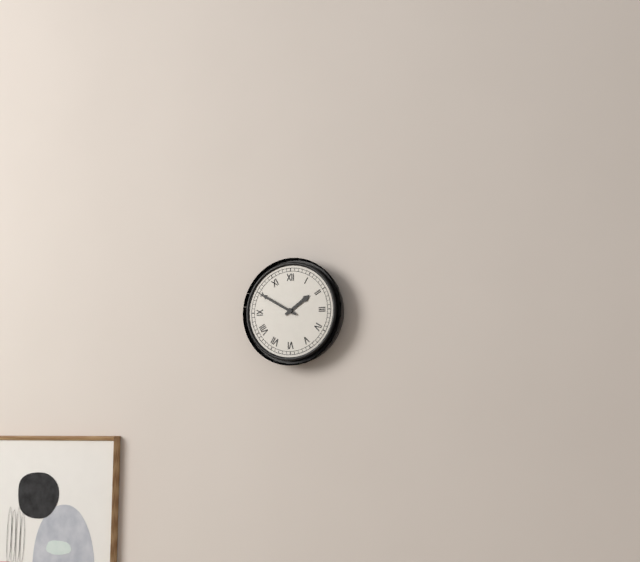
1:50
